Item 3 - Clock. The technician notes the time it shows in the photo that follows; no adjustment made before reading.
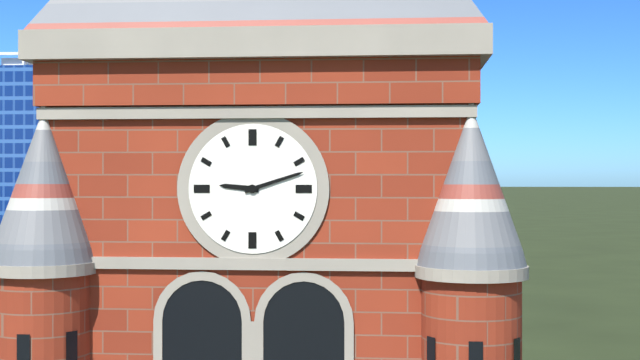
9:12
